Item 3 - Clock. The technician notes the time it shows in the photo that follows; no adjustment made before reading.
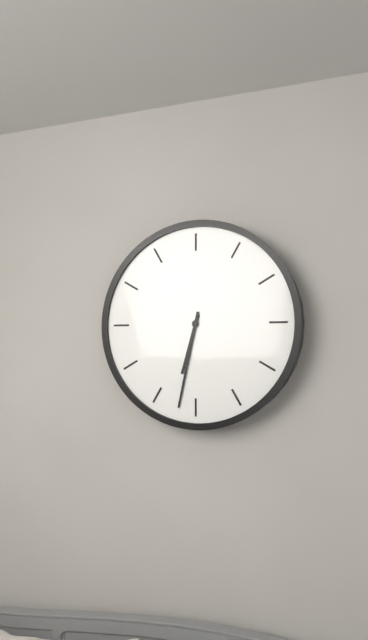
6:32
